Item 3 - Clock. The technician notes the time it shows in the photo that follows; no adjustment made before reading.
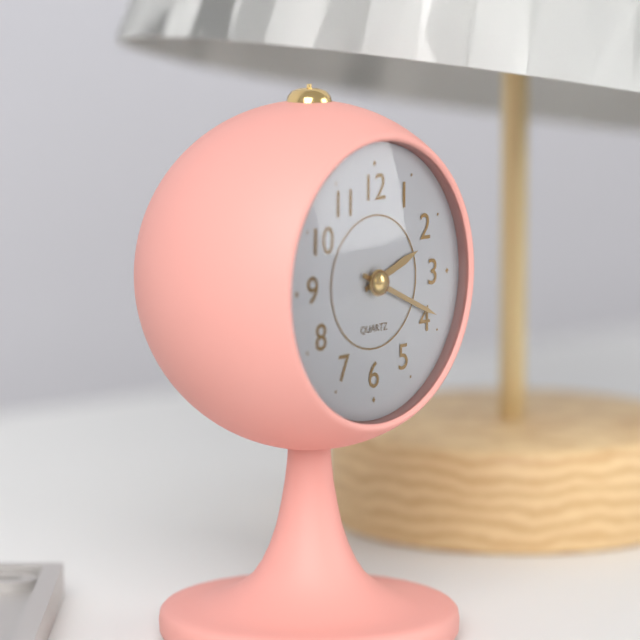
2:19
